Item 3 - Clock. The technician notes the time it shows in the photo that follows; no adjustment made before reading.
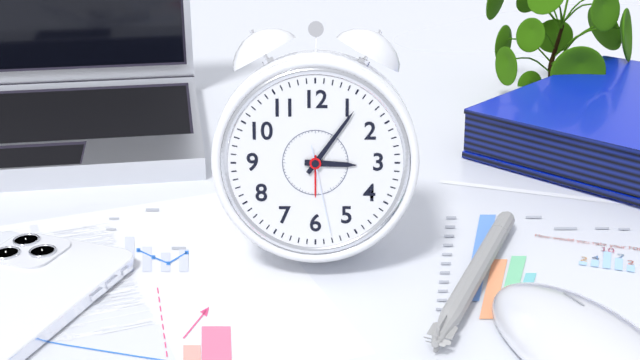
3:06:28
